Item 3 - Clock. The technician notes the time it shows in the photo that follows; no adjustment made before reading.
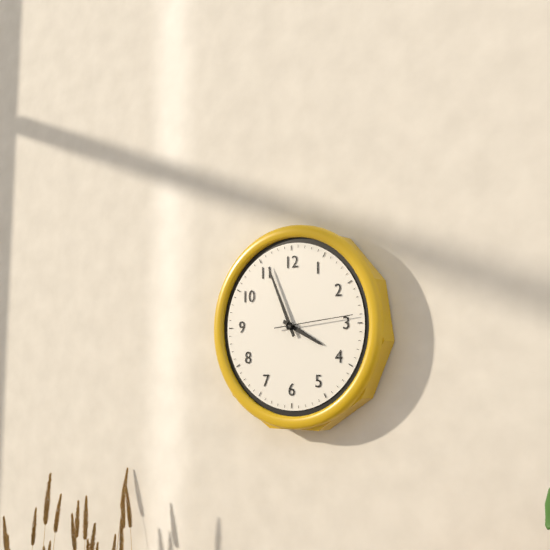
3:56:14
